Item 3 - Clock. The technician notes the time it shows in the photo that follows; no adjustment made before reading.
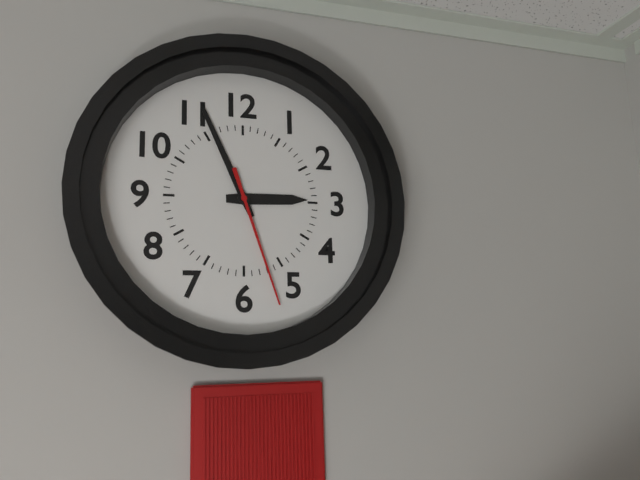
2:56:27
